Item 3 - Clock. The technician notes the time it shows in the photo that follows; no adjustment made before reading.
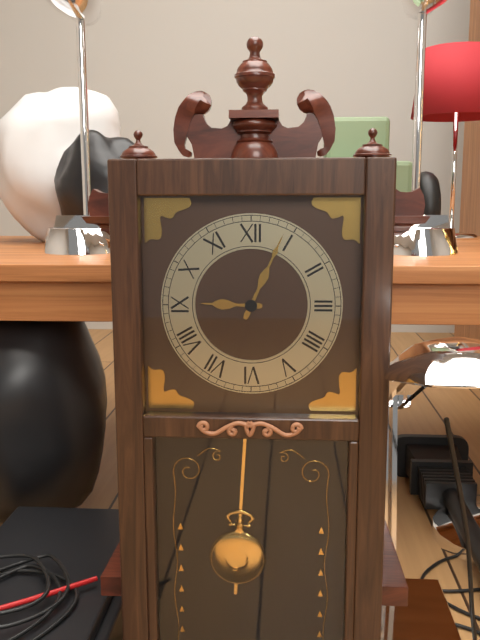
9:04
